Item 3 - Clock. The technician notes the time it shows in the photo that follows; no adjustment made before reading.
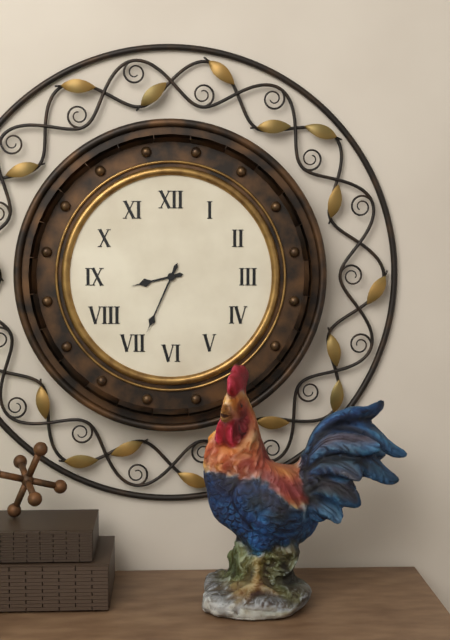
8:34
